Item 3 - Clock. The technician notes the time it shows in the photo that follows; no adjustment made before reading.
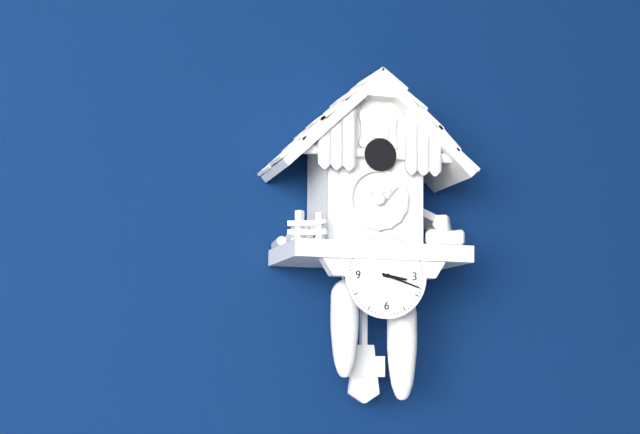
3:18
